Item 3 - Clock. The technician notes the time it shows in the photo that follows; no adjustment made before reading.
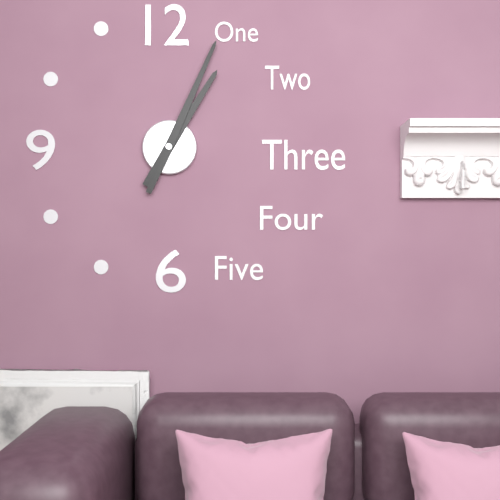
1:04
